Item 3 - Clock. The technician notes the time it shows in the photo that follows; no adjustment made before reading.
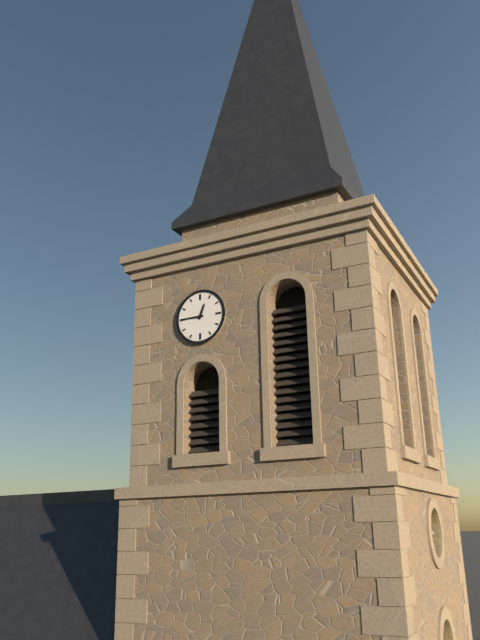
12:45
